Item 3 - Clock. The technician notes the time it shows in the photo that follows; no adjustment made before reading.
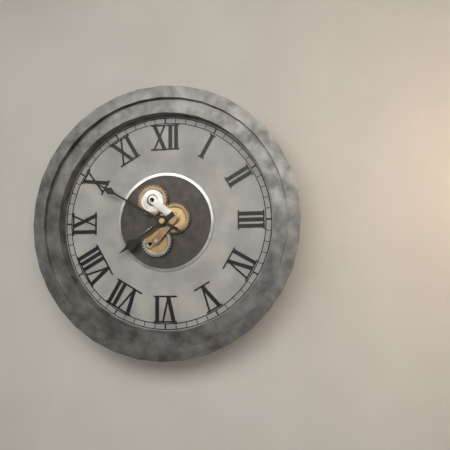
7:50
